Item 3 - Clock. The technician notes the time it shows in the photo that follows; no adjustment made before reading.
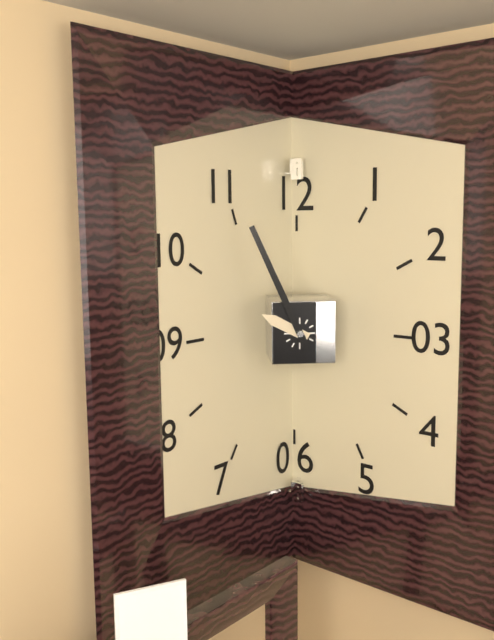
9:56
